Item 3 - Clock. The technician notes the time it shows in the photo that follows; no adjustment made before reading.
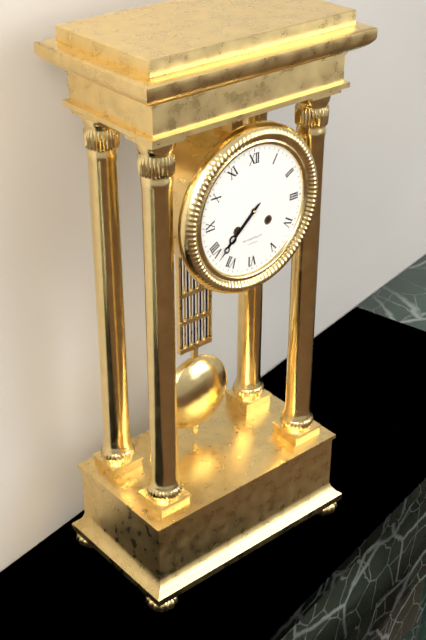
7:38
